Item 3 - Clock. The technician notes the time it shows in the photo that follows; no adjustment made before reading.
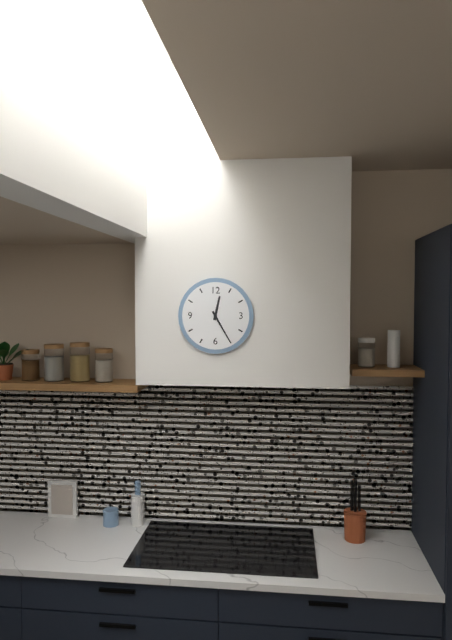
12:25
